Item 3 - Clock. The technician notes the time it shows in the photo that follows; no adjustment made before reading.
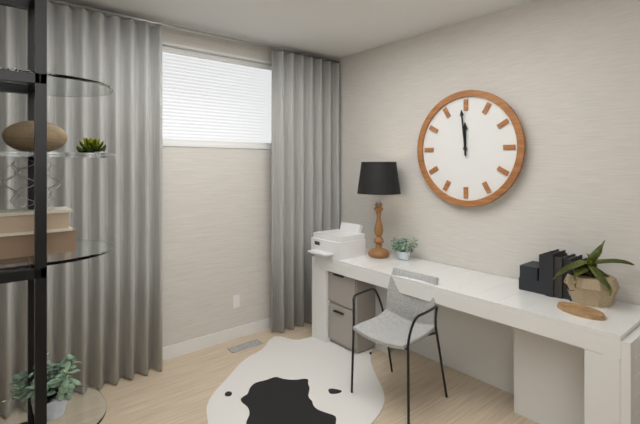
11:59
